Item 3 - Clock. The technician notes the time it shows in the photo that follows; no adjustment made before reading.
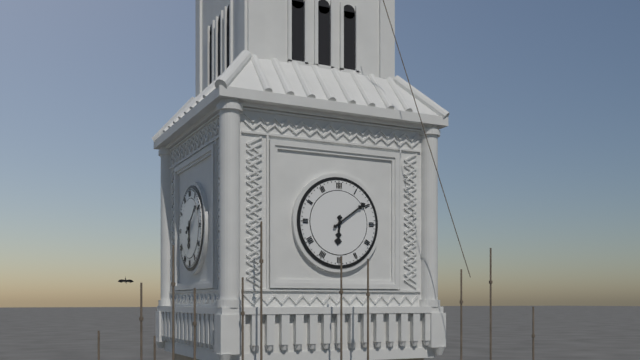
6:09
